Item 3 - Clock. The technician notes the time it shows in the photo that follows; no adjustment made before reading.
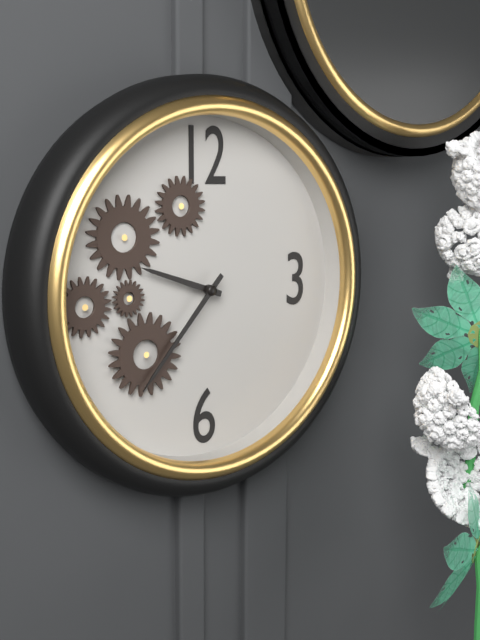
9:37
